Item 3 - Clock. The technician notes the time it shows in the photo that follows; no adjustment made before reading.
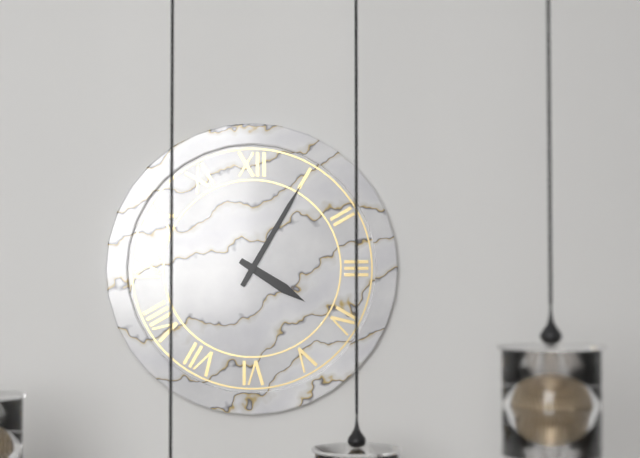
4:05
